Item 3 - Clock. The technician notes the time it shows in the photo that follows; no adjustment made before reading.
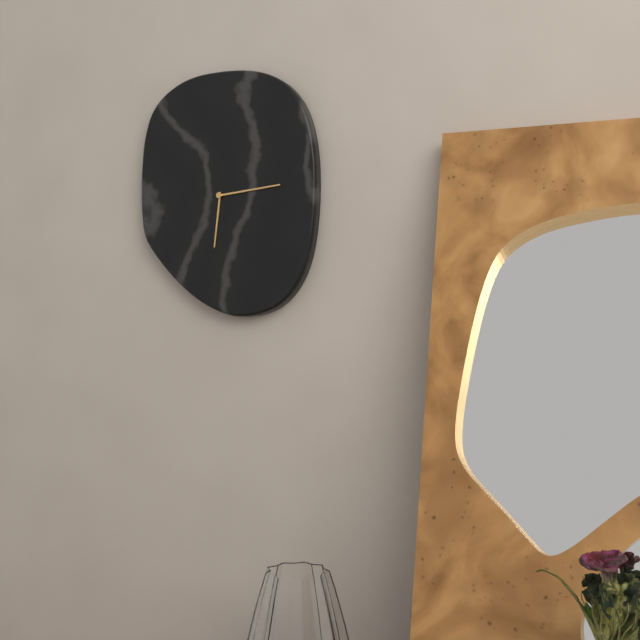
6:14
